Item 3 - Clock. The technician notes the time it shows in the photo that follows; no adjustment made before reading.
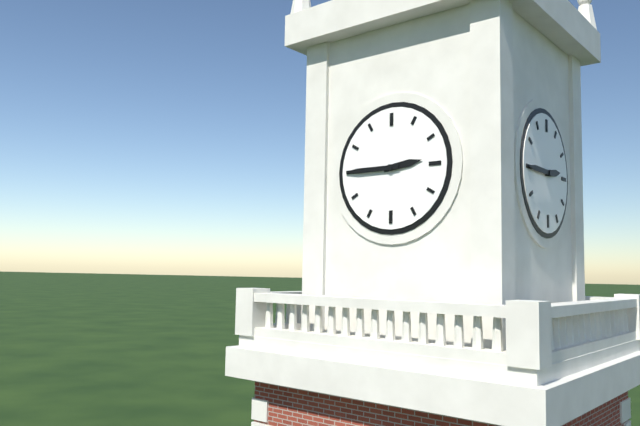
2:45
